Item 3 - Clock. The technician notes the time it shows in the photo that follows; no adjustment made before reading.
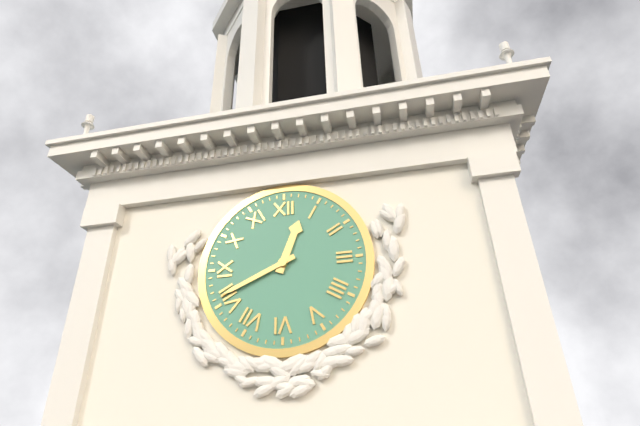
12:41
